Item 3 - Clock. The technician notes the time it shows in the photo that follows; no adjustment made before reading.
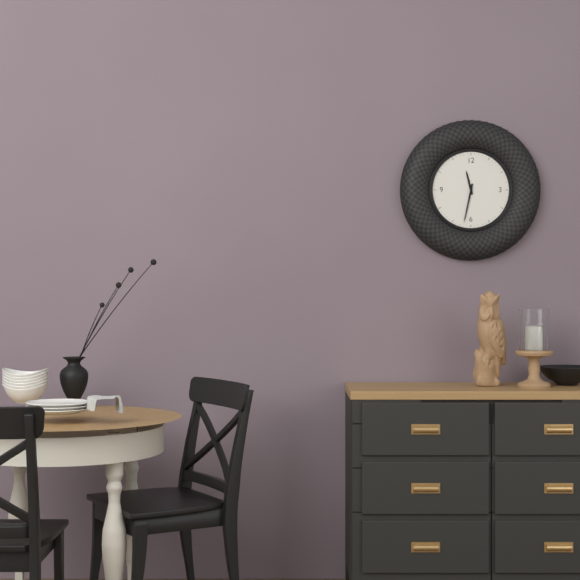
11:32
